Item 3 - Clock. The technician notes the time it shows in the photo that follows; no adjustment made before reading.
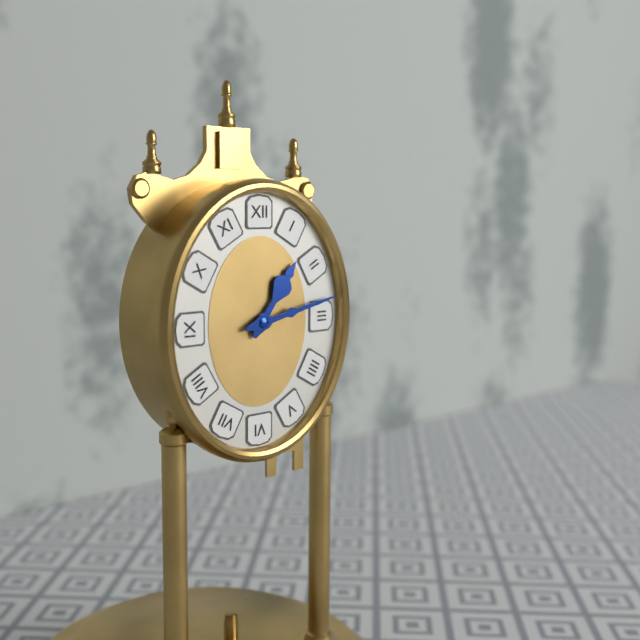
1:13
